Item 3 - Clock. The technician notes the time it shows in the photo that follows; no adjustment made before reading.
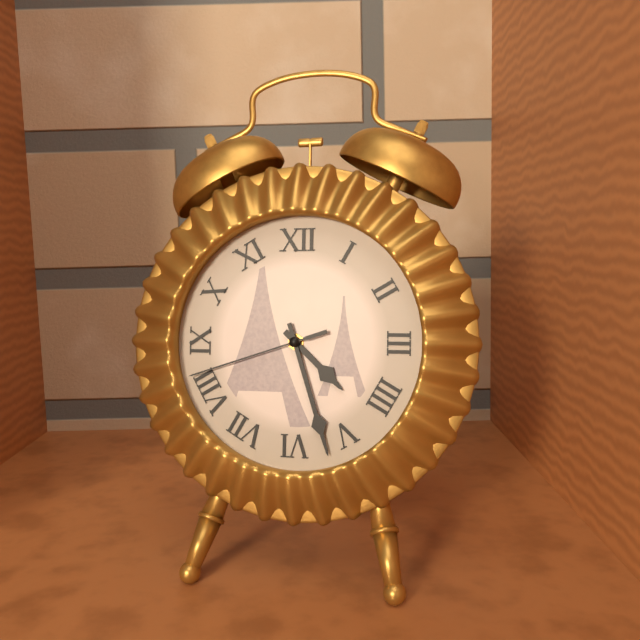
4:27:42
